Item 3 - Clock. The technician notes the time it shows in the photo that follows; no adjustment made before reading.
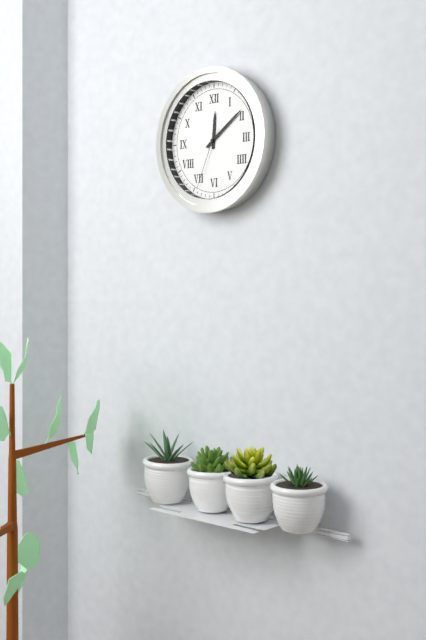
12:09:34
